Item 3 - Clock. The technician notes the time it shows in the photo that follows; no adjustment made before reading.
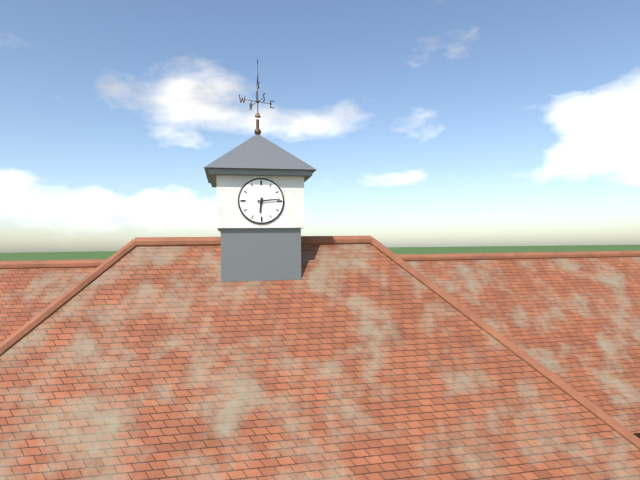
6:14
